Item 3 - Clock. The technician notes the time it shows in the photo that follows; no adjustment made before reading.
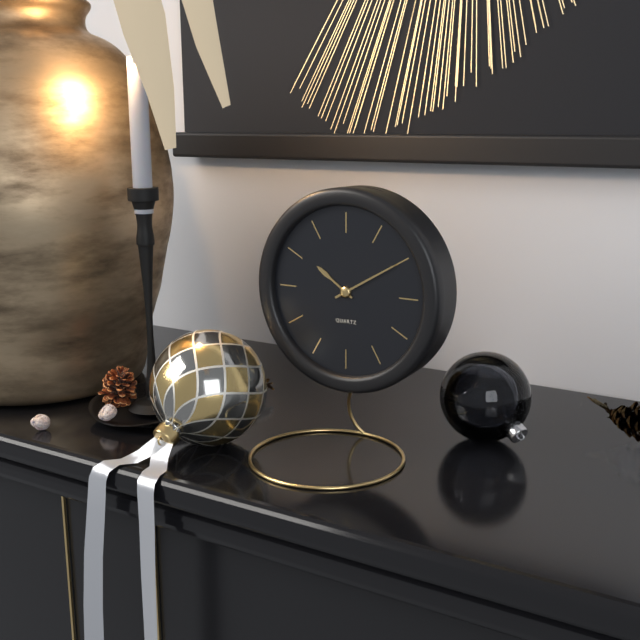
10:10
